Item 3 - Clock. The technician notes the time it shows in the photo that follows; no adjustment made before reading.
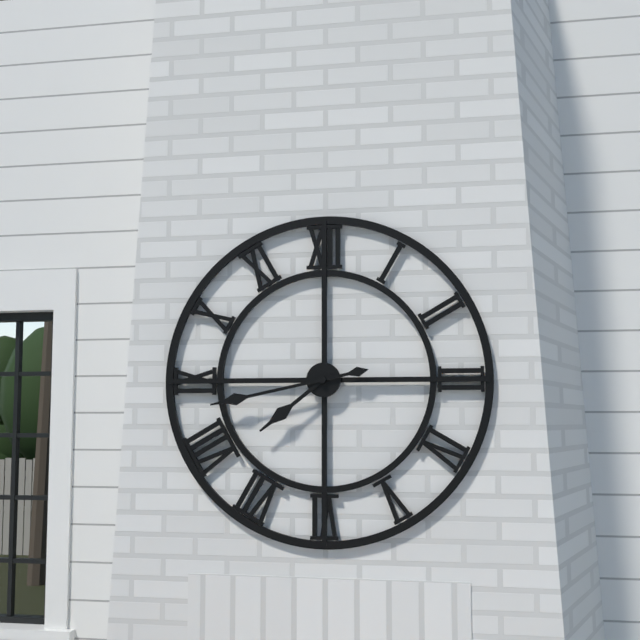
7:43
